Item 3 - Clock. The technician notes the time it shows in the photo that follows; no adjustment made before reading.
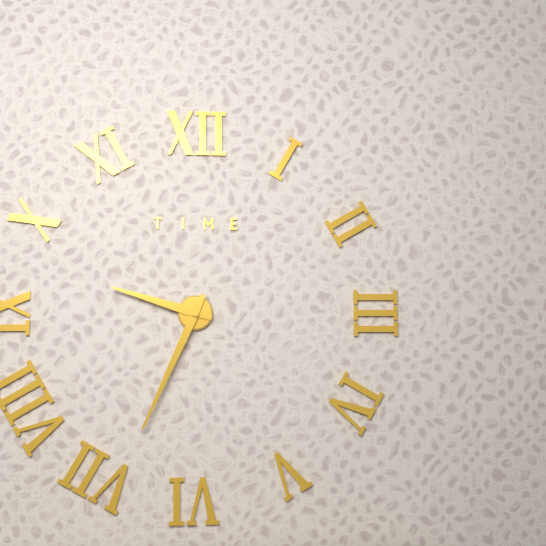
9:34
